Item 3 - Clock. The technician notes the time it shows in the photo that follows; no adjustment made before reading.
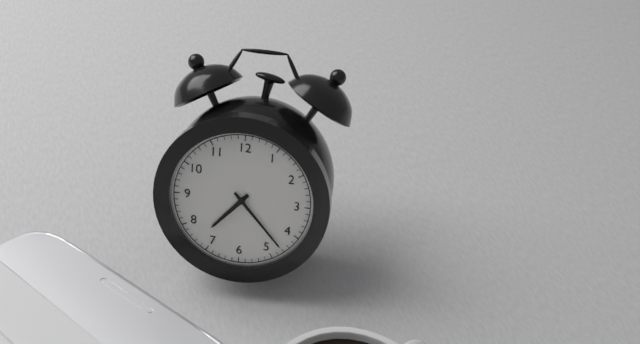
7:23
